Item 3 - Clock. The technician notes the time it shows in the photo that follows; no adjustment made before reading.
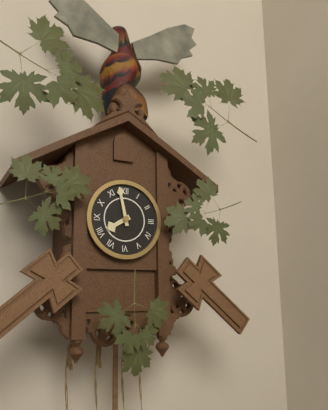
7:58
